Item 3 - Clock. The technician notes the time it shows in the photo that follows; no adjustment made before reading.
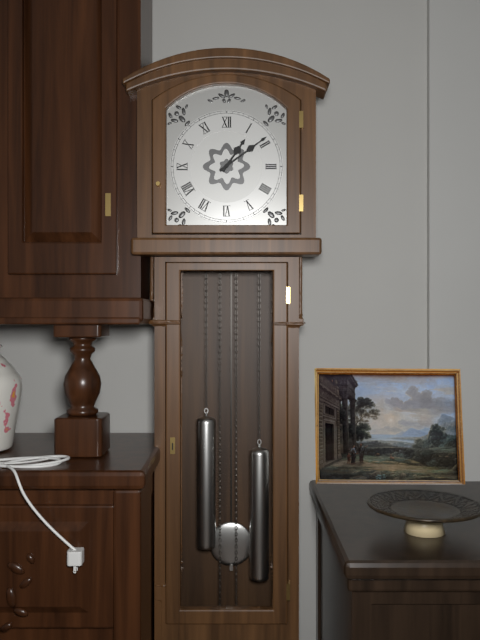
1:09
